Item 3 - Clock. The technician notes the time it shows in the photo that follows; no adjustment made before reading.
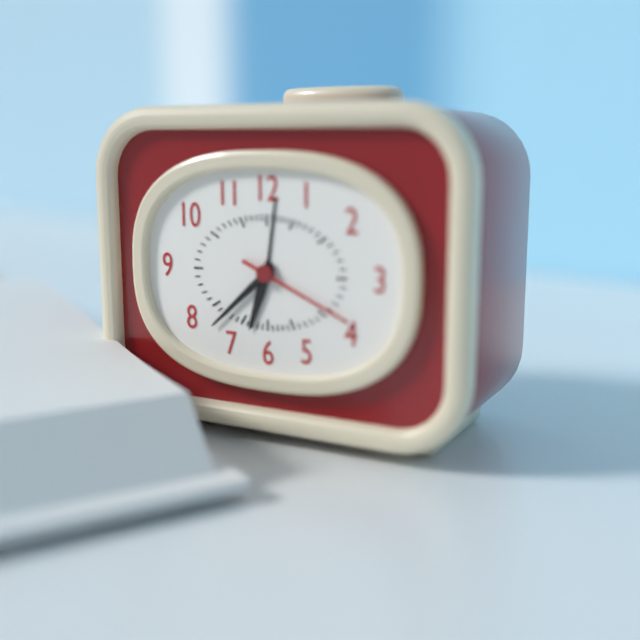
6:38:19
